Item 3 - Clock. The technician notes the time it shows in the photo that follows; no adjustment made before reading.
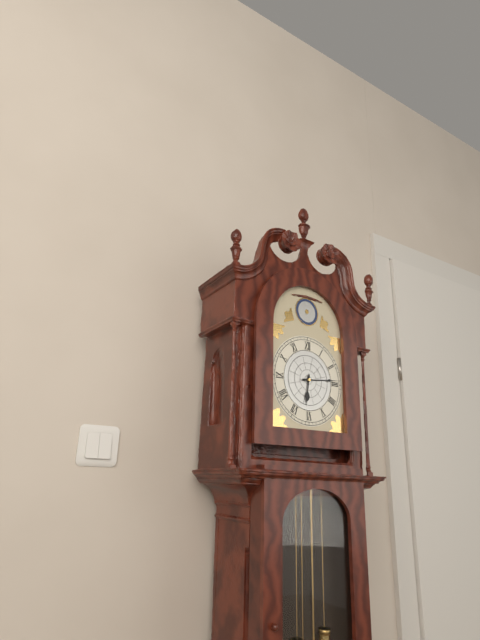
6:14
